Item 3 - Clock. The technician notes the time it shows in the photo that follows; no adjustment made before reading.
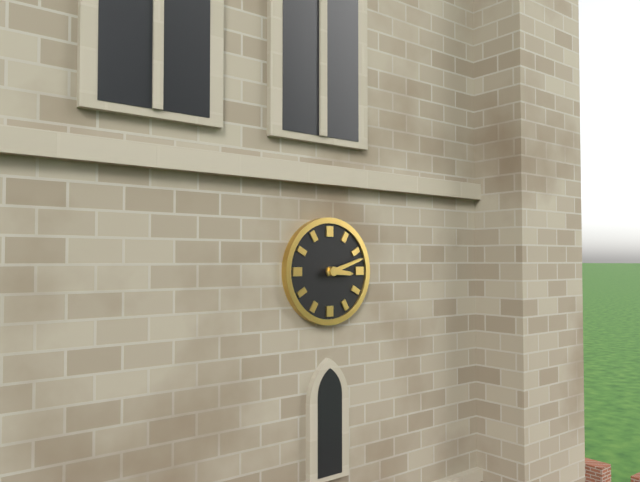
3:12
